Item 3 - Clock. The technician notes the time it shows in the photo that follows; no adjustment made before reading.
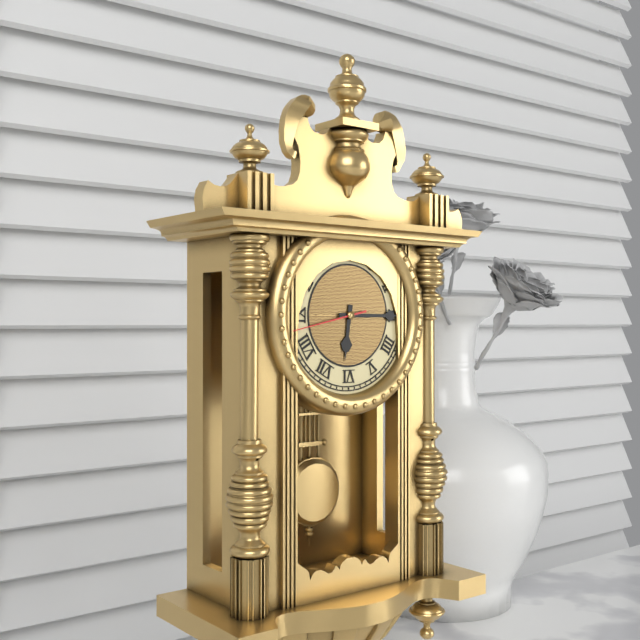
6:15:43
